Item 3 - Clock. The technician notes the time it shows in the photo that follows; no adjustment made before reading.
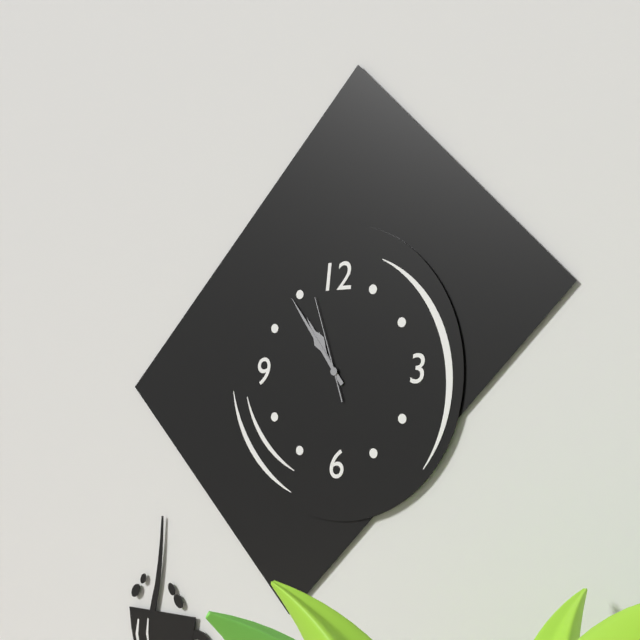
10:54:57
